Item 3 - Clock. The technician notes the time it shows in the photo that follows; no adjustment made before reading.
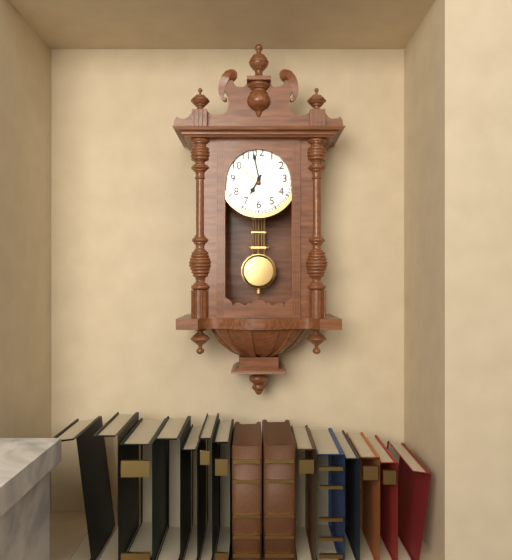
6:58
